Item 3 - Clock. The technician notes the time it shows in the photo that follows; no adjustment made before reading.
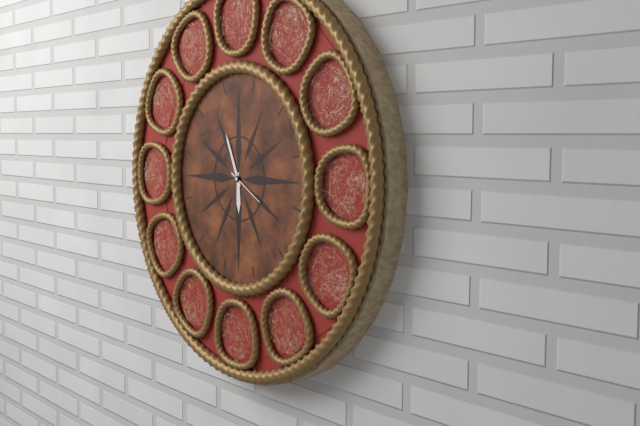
5:56
